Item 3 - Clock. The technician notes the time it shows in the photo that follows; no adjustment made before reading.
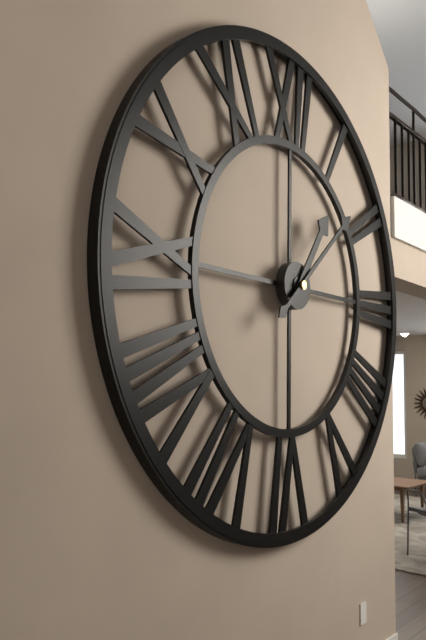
1:08
